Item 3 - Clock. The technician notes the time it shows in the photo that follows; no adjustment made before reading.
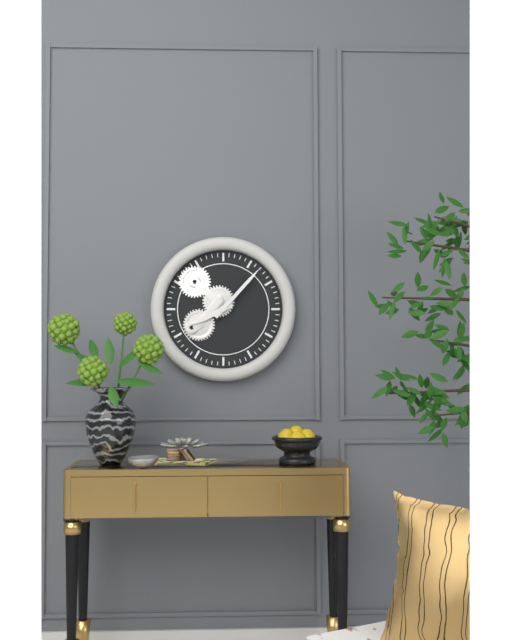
8:07
